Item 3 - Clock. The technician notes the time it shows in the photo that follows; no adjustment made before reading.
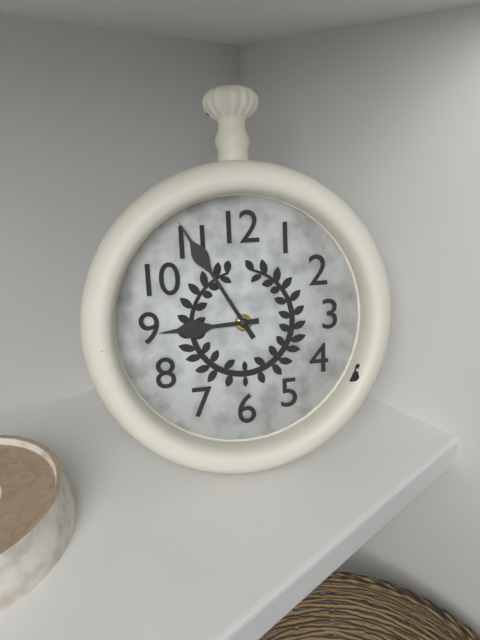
8:55
